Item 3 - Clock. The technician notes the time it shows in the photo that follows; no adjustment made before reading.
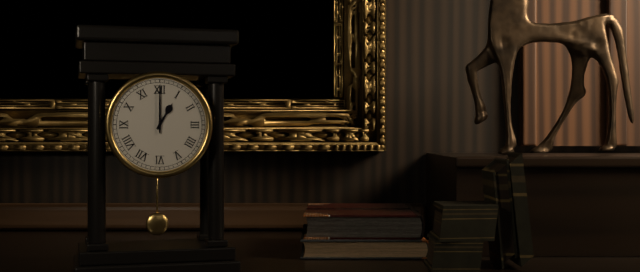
1:00
